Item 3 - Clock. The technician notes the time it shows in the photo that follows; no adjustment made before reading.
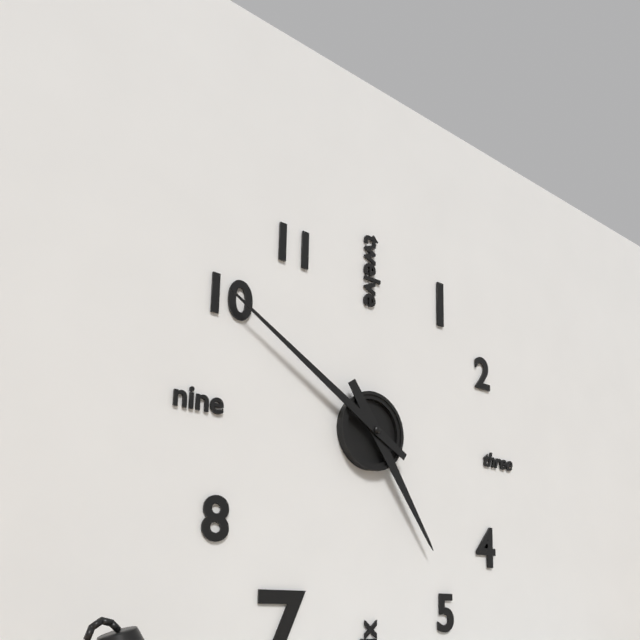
4:50
